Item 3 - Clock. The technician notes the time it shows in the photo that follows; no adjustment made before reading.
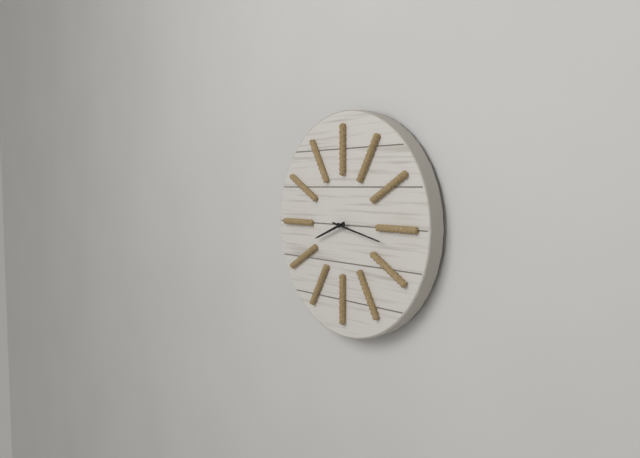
8:17
